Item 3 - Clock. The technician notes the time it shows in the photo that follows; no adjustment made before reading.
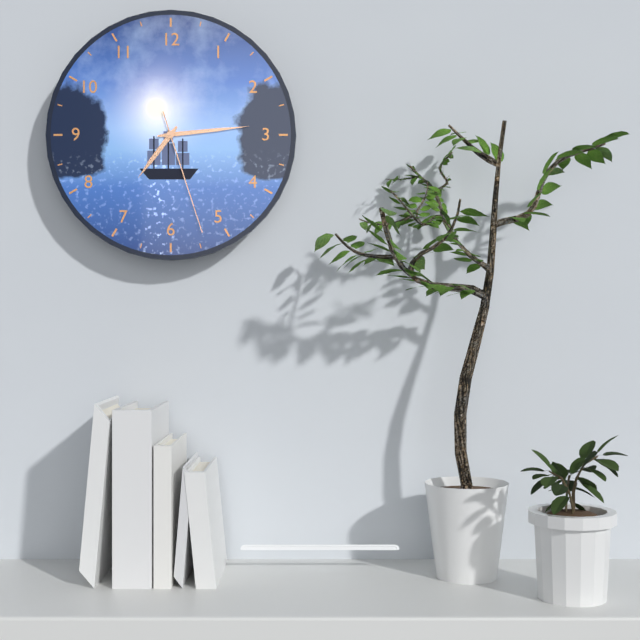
7:14:27
